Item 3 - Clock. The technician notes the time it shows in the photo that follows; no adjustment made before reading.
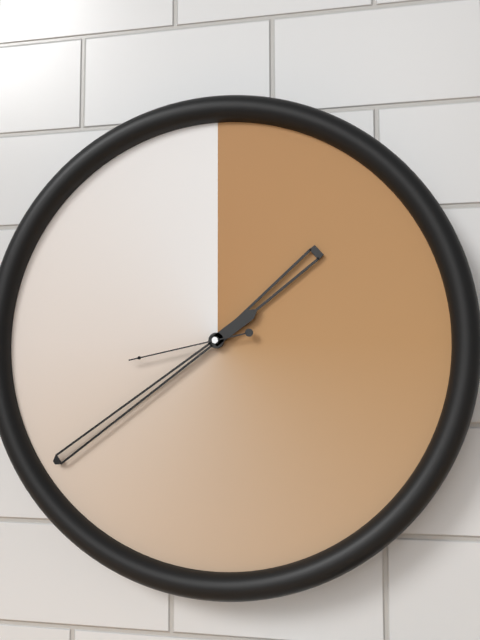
1:39:43
